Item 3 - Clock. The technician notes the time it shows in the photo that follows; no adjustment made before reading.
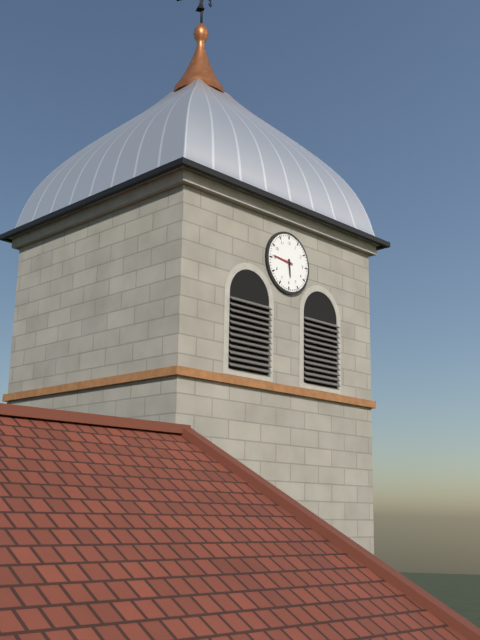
5:46
